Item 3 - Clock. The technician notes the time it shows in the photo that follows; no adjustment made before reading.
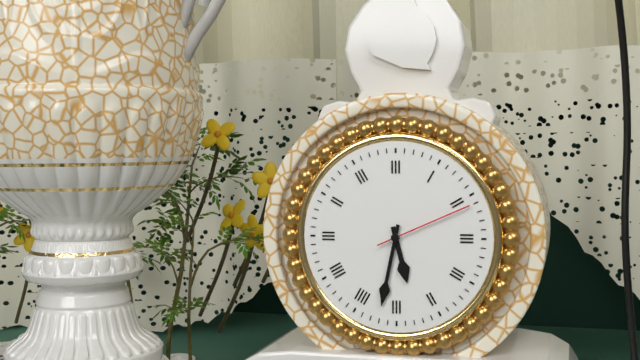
5:32:11
